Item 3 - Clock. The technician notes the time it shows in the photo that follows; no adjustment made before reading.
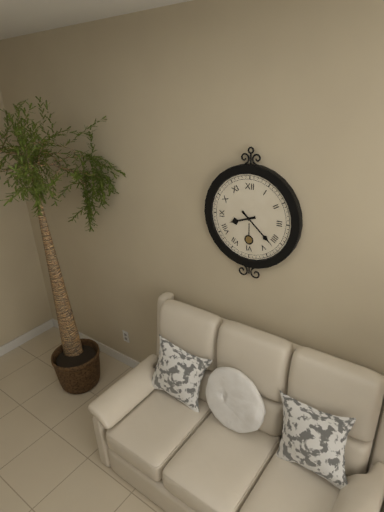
8:22
